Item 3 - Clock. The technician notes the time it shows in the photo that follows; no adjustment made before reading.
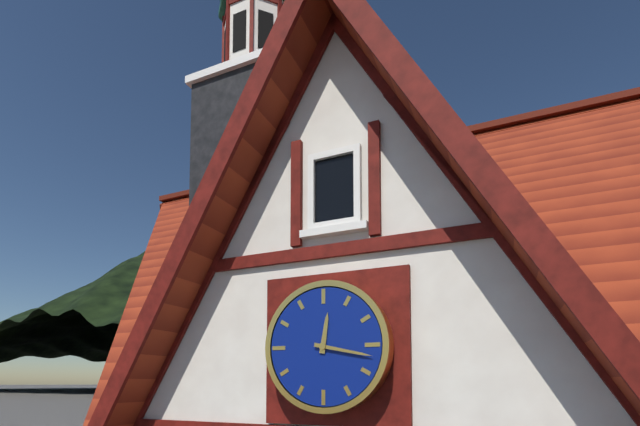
12:17
